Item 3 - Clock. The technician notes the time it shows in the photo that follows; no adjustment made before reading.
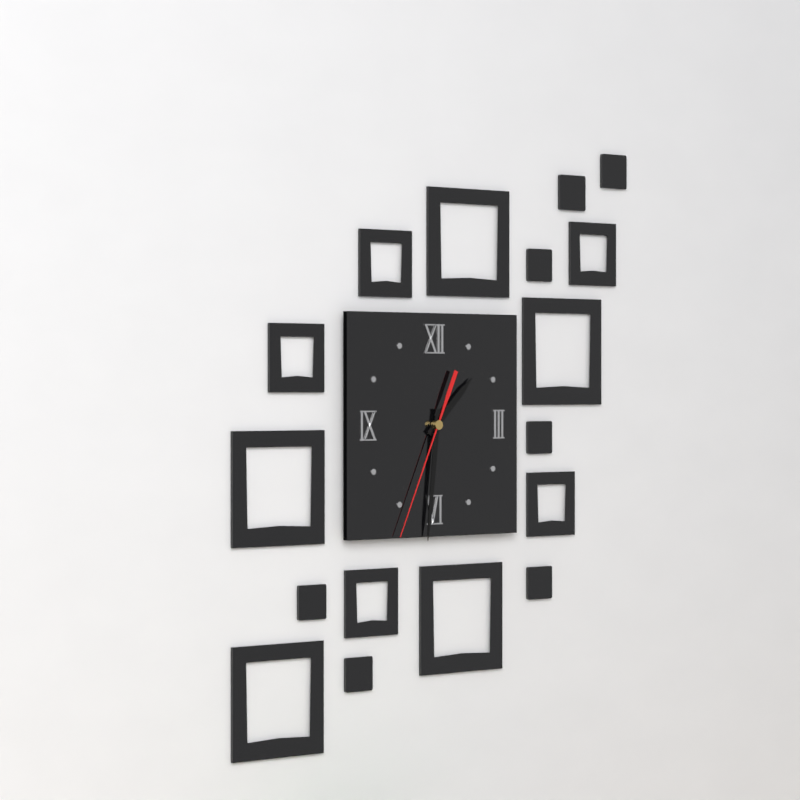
1:31:34
